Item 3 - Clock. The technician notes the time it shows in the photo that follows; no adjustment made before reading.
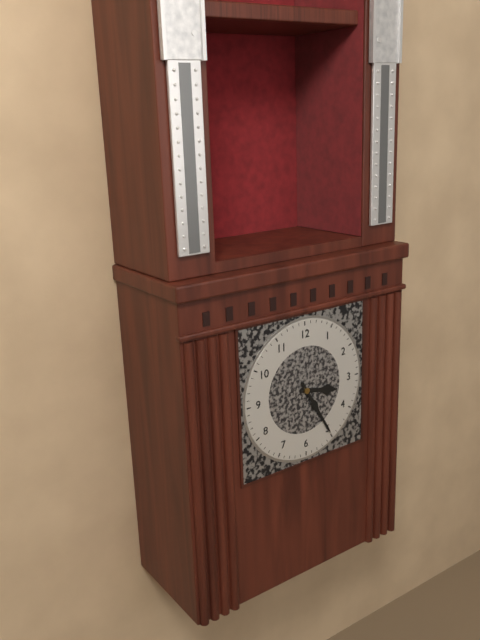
3:25
